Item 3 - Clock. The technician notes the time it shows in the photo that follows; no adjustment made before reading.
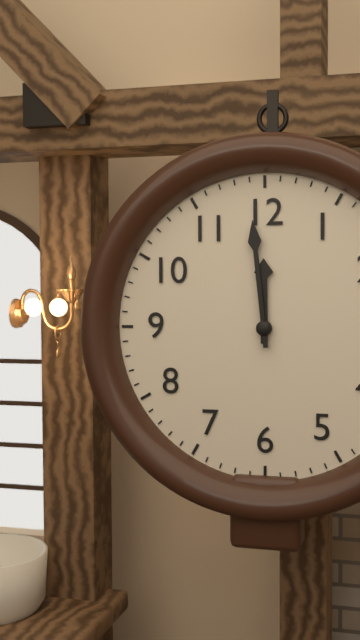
11:59
